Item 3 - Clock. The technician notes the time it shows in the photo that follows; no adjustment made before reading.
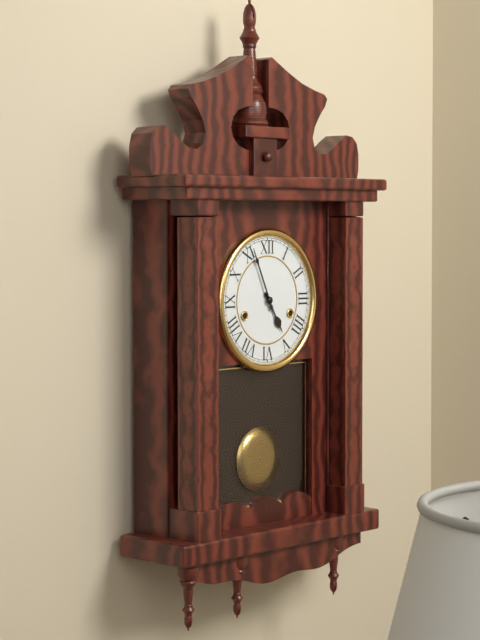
4:56
